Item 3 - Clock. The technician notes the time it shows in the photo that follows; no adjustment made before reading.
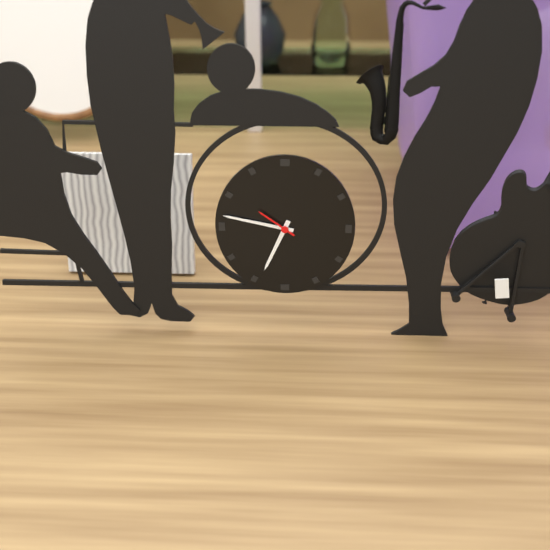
6:47
